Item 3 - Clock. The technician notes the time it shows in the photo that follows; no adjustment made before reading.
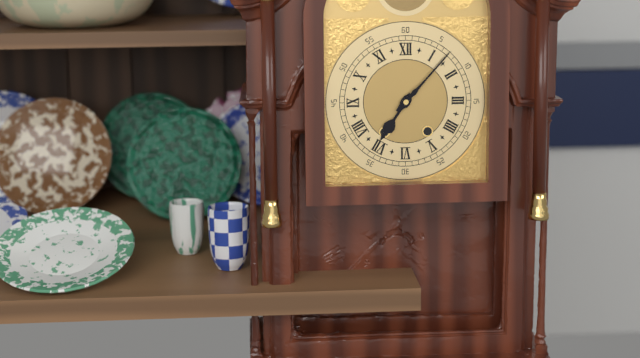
7:07
